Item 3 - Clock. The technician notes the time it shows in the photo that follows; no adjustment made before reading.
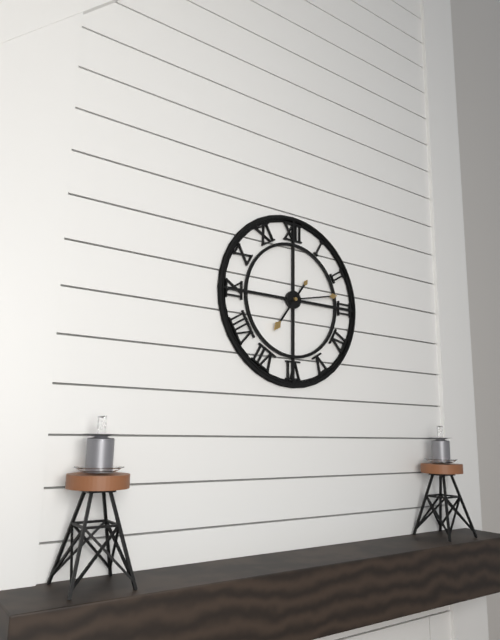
7:13
